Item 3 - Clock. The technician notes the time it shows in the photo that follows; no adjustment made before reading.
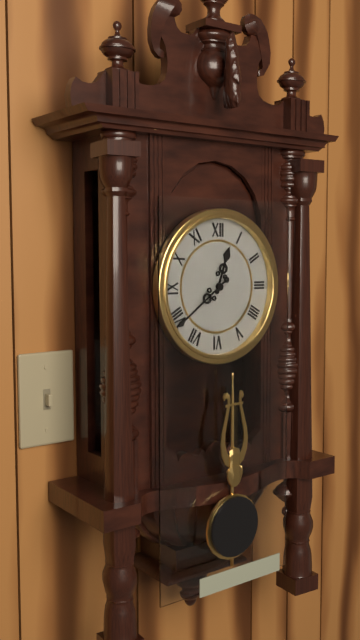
12:39
